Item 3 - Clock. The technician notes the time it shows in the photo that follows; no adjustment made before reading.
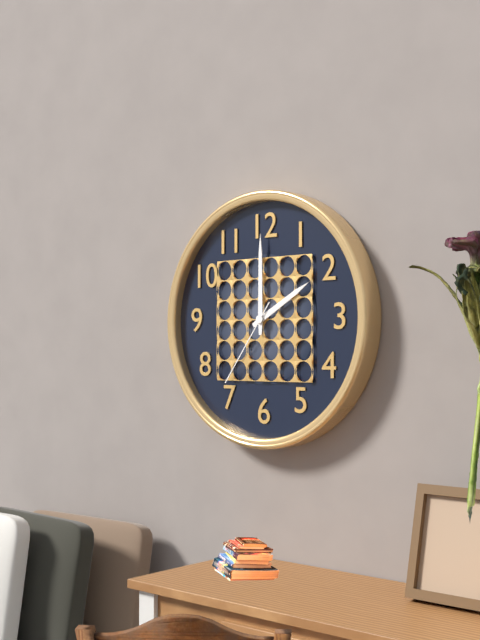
2:00:36
